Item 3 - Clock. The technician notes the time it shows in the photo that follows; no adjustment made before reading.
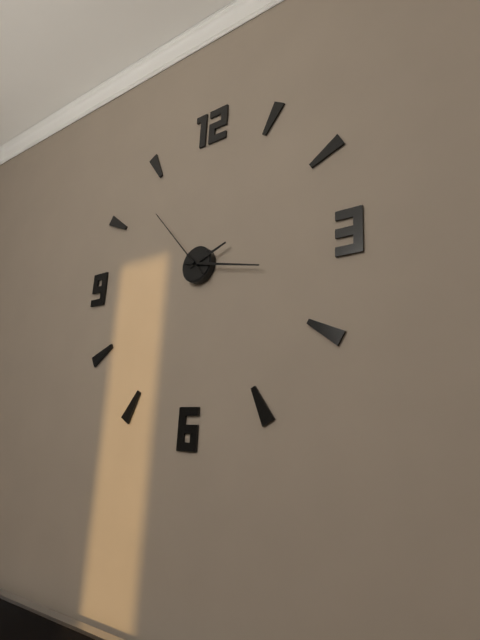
2:17:53
